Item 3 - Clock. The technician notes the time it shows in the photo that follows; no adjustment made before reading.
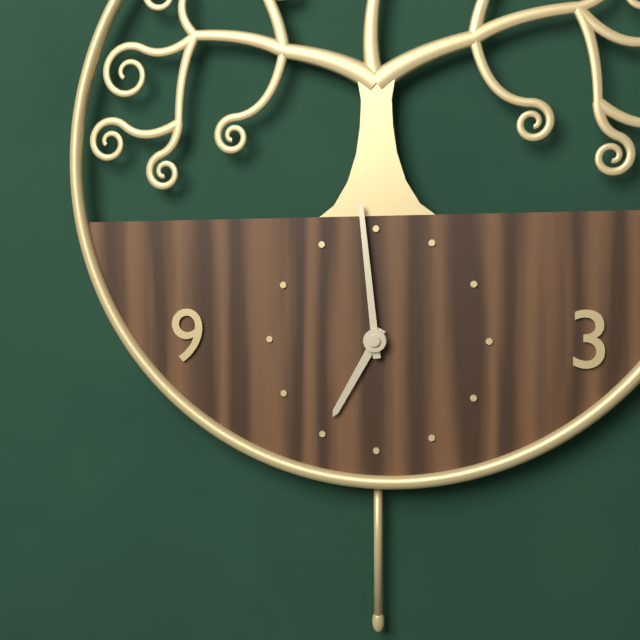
6:59
